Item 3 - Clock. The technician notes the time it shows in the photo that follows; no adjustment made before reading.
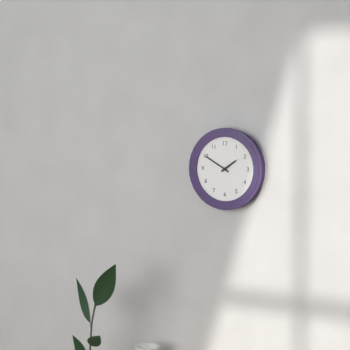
1:50
